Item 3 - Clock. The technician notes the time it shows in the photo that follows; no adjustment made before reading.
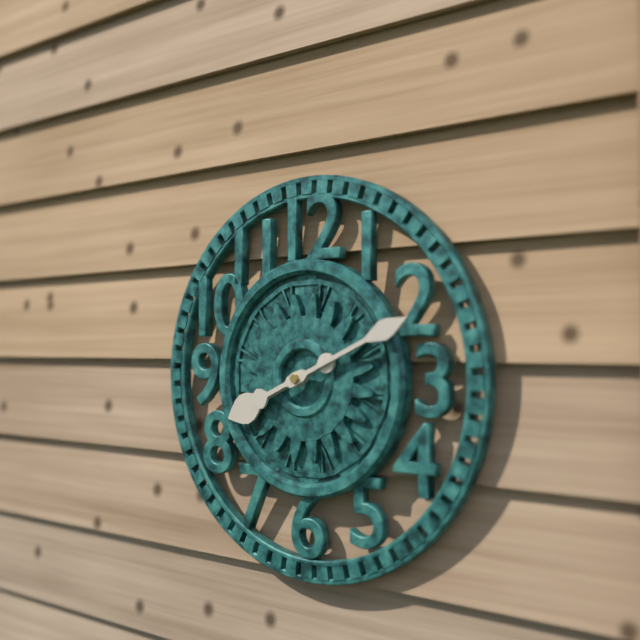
8:11
